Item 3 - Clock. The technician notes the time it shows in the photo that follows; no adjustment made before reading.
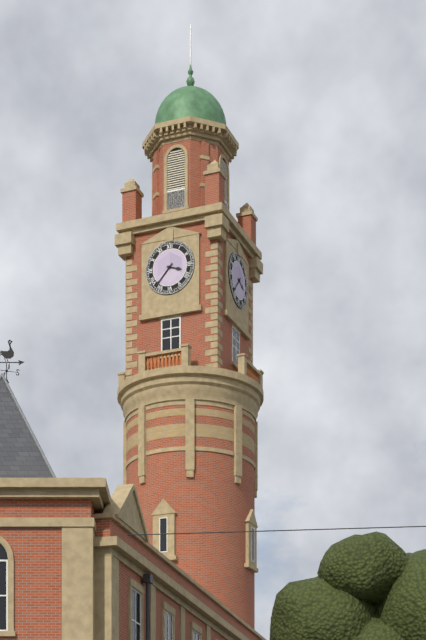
3:37
